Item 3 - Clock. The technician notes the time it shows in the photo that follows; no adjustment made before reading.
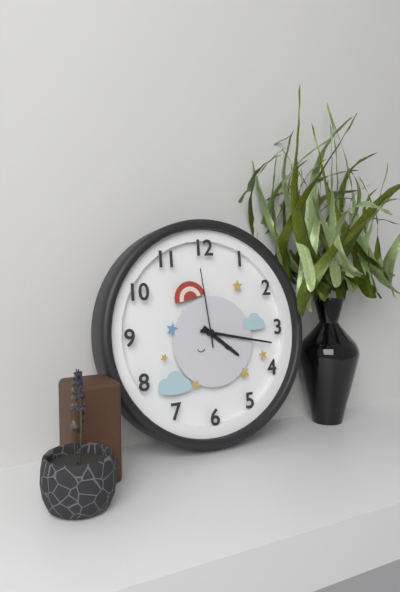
4:17:59
